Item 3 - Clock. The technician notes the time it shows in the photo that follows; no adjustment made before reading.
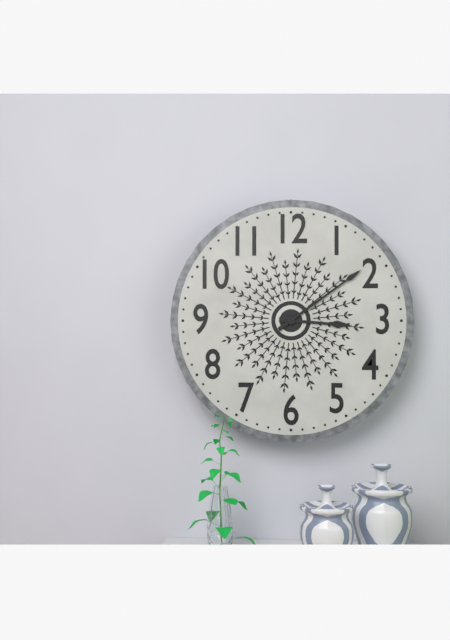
3:09
